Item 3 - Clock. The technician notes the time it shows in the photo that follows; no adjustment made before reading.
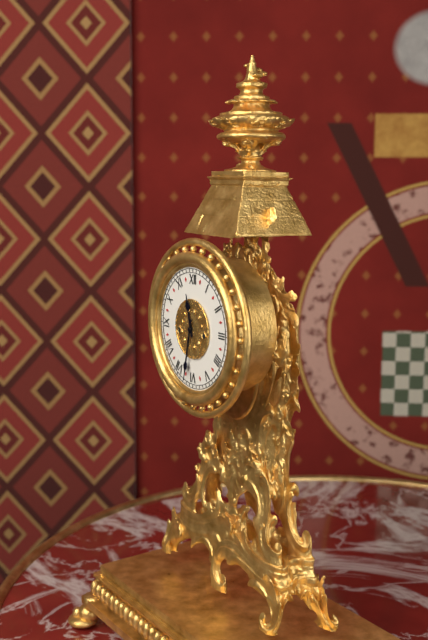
11:32
